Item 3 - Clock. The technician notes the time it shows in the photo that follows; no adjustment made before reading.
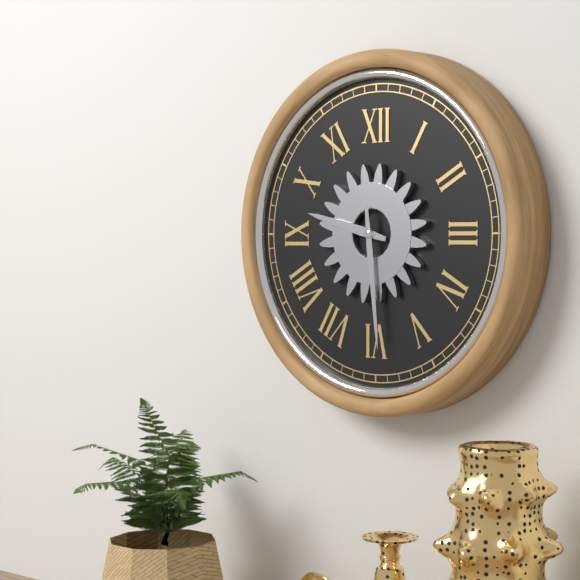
9:29
